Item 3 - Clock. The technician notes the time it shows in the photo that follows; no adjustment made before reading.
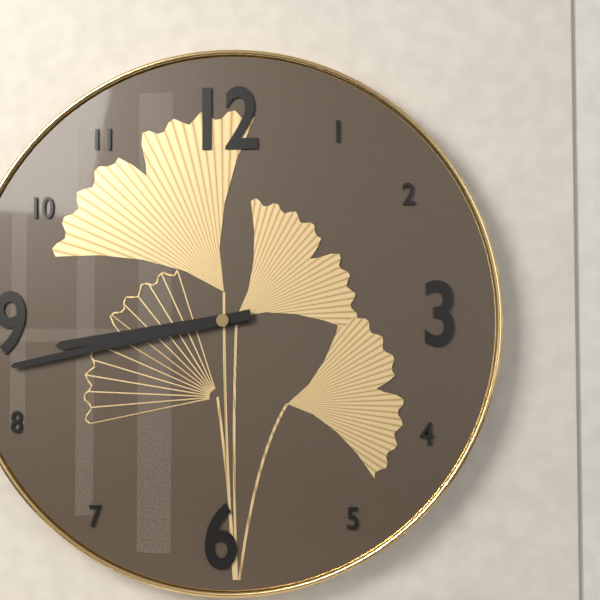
8:43
